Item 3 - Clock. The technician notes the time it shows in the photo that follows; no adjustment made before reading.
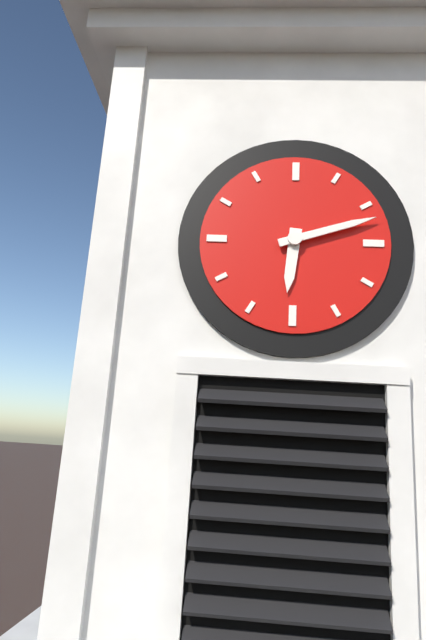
6:12
